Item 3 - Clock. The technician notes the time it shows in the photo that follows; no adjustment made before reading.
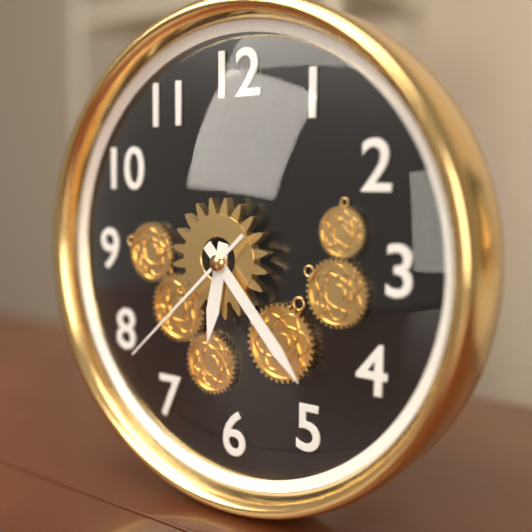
6:23:38
